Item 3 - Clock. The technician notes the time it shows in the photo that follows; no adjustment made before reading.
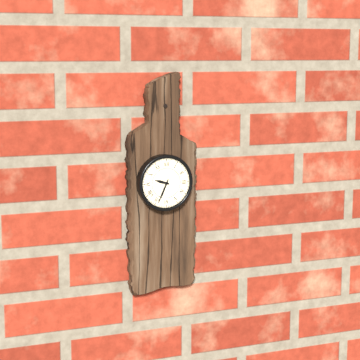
9:34
